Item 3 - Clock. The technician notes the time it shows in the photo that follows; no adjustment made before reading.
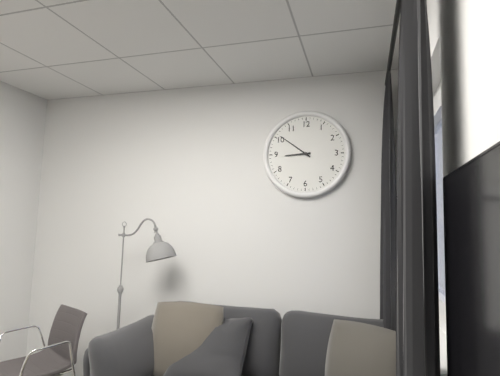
8:51
